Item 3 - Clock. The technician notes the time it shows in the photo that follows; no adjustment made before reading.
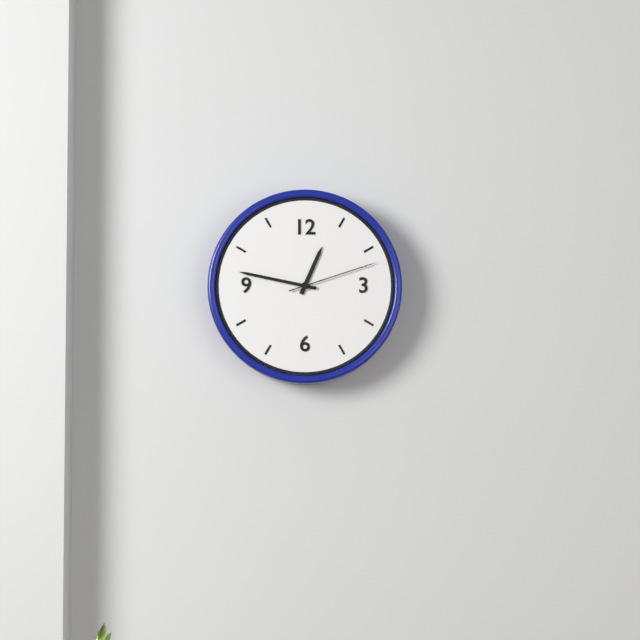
12:47:12
